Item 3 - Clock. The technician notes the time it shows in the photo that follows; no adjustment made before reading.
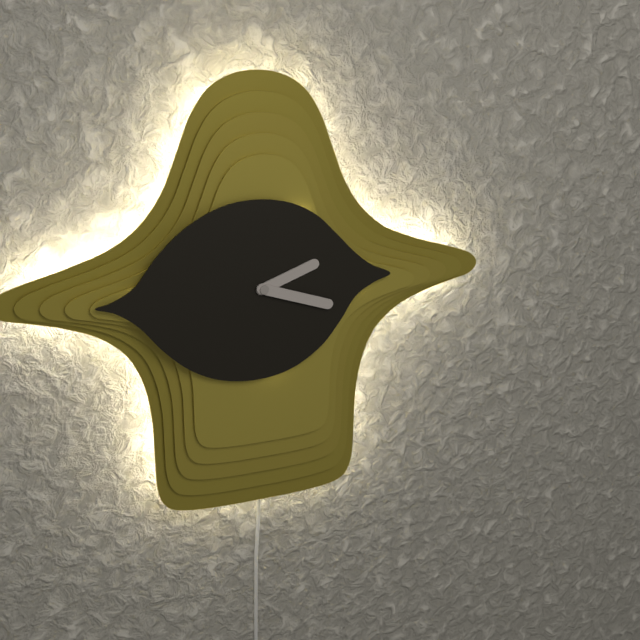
2:18
